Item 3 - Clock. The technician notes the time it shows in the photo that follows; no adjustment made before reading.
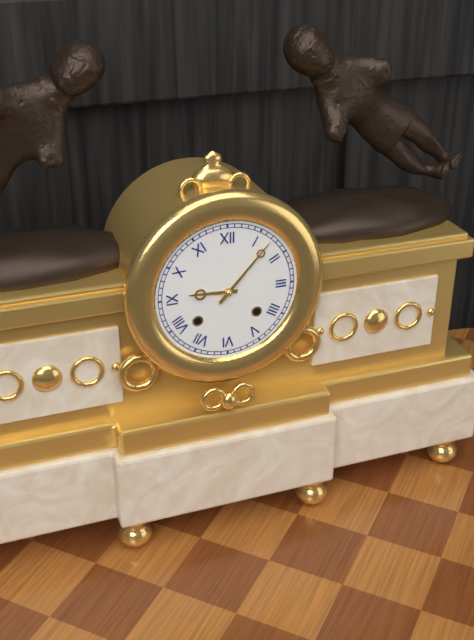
9:07
